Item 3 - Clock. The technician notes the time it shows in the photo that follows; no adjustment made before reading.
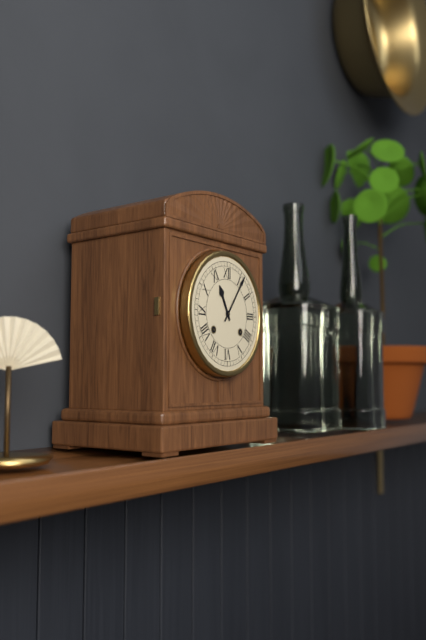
11:06
